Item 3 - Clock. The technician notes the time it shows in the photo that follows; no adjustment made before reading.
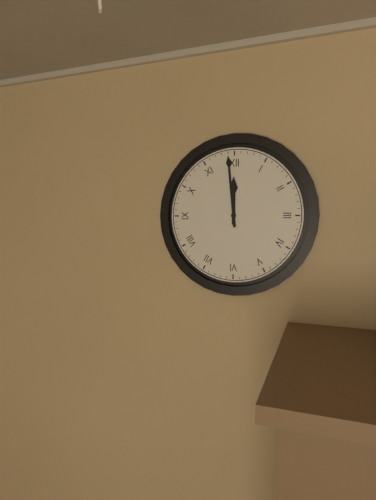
11:59
